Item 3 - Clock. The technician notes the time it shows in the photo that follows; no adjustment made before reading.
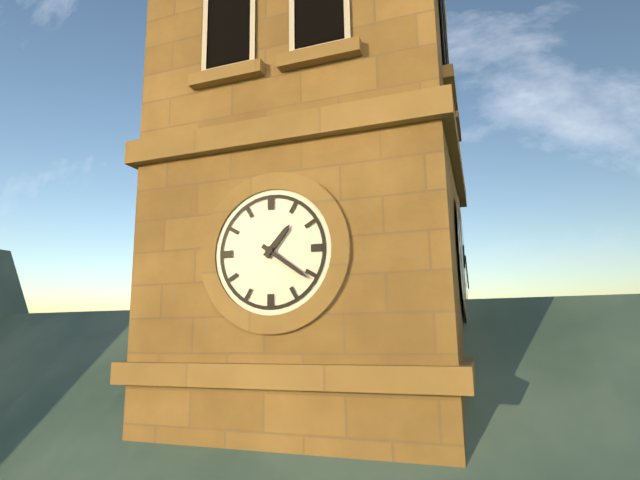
1:21
